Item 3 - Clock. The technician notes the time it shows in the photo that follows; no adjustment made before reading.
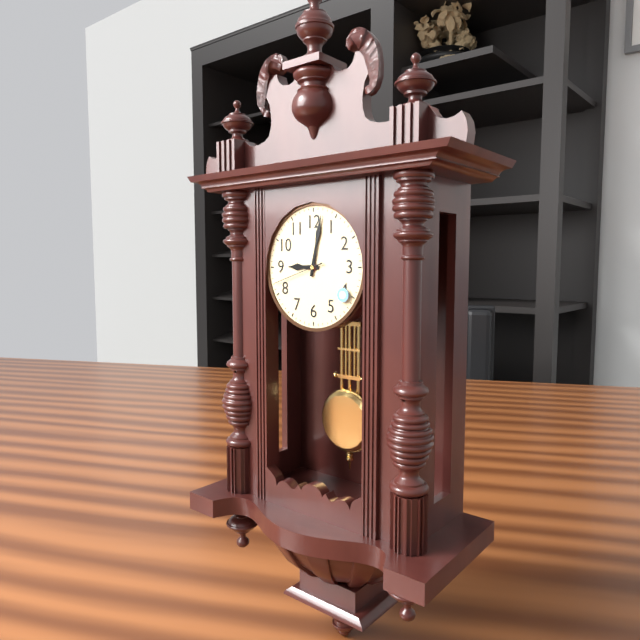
9:02:42
